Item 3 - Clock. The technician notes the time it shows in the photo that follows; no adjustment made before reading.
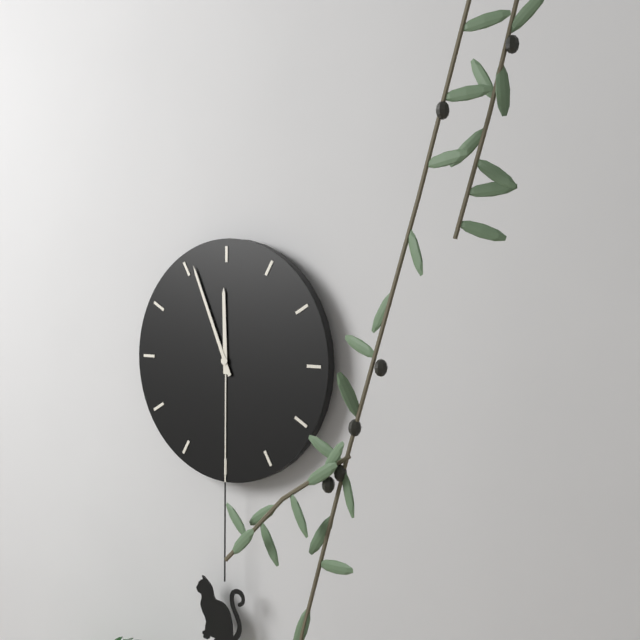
11:56
